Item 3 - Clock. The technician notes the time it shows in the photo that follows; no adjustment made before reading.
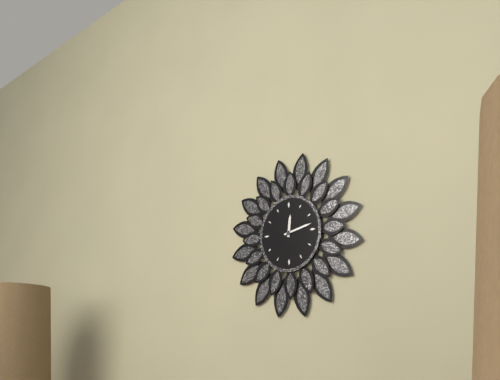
12:13
